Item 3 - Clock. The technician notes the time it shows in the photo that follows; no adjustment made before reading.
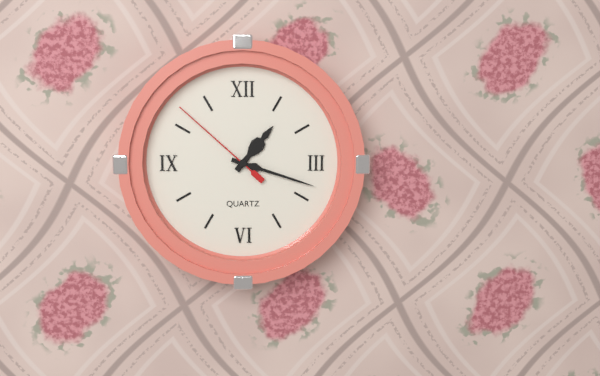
1:18:52
